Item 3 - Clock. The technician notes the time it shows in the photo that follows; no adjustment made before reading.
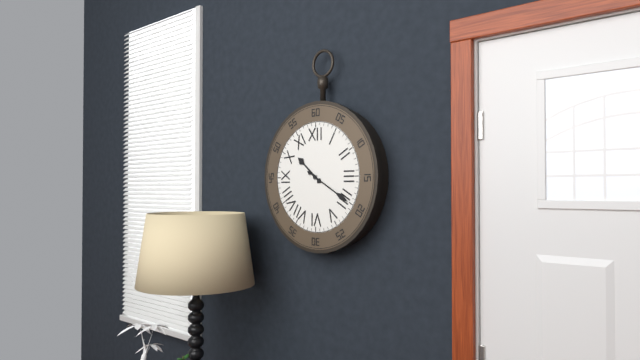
10:20
